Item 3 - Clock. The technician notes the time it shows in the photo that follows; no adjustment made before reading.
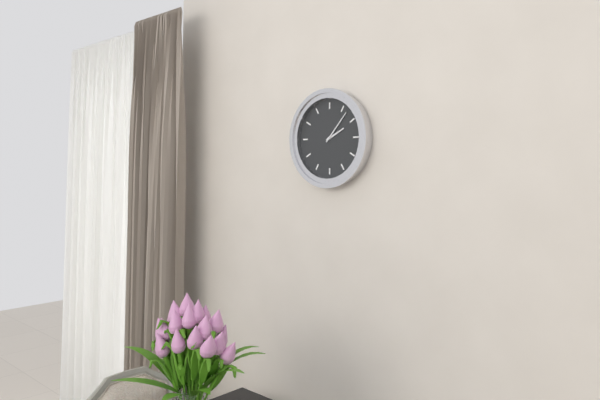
2:07
